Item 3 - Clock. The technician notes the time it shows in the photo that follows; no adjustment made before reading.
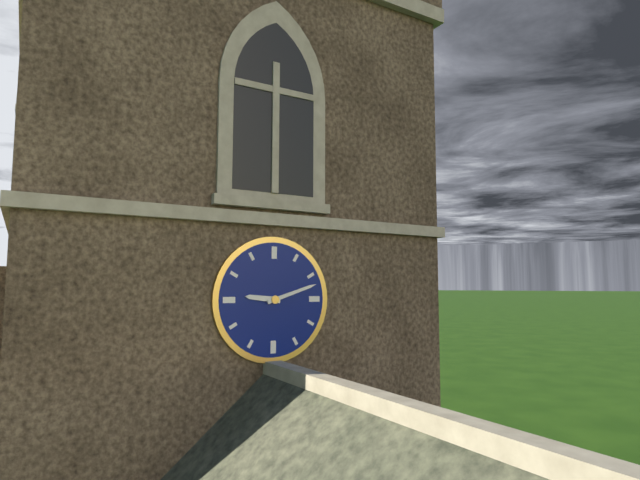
9:12
